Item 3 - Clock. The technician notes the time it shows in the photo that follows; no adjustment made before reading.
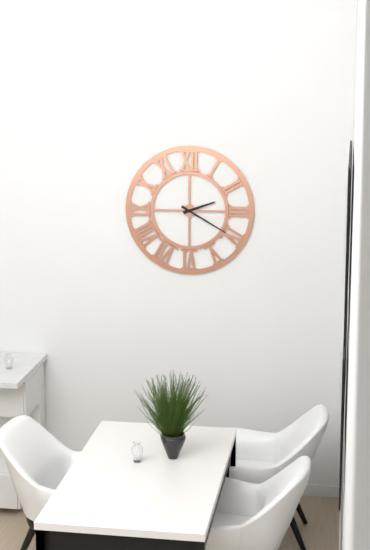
2:20
